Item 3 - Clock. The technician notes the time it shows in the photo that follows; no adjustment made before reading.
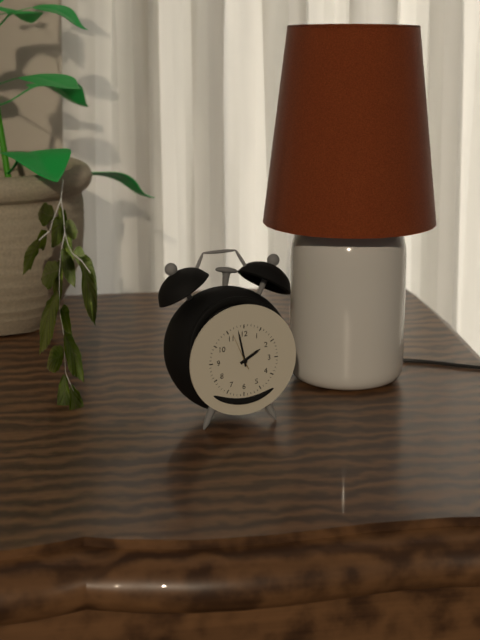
1:58
